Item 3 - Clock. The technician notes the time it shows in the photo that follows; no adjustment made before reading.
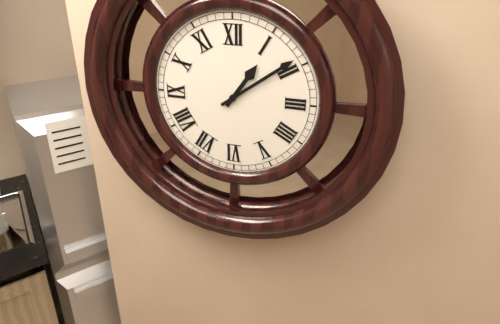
1:09
